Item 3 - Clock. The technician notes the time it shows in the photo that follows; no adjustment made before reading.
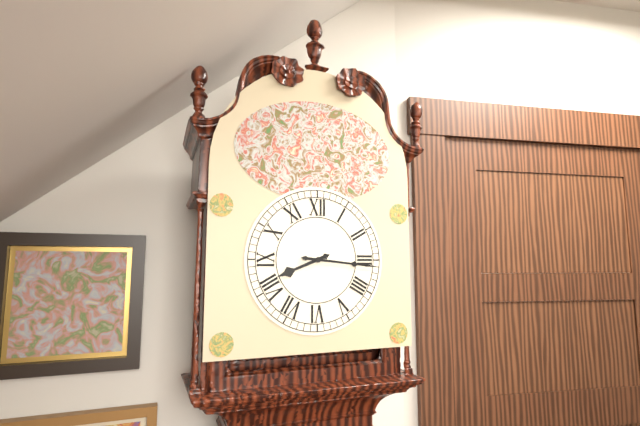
8:16
